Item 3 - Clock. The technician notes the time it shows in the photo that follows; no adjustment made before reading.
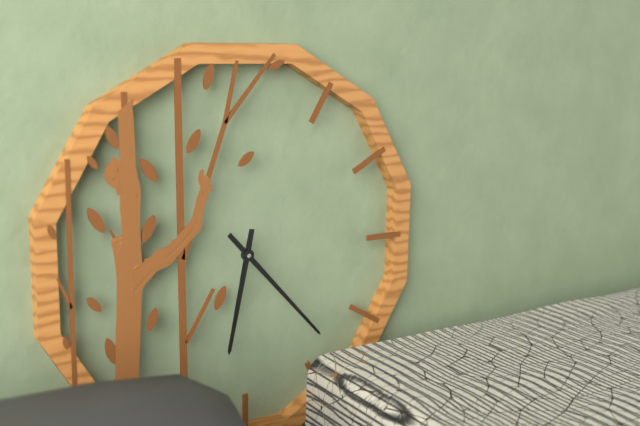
6:23
